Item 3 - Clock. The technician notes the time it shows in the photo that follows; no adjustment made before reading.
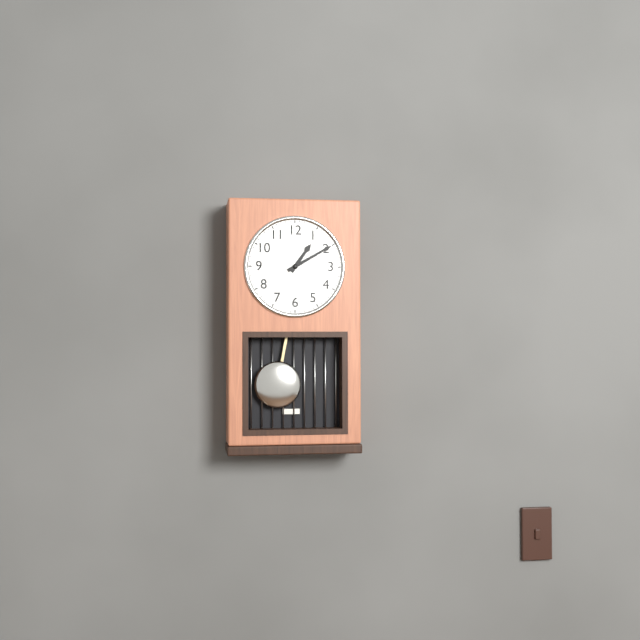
1:10
